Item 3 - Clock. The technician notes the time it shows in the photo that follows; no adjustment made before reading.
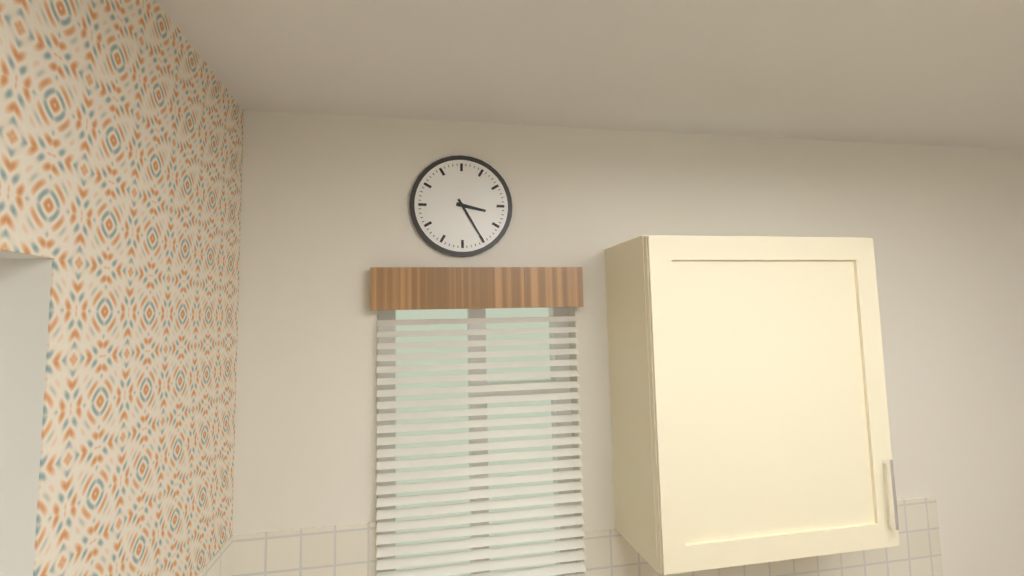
3:25
